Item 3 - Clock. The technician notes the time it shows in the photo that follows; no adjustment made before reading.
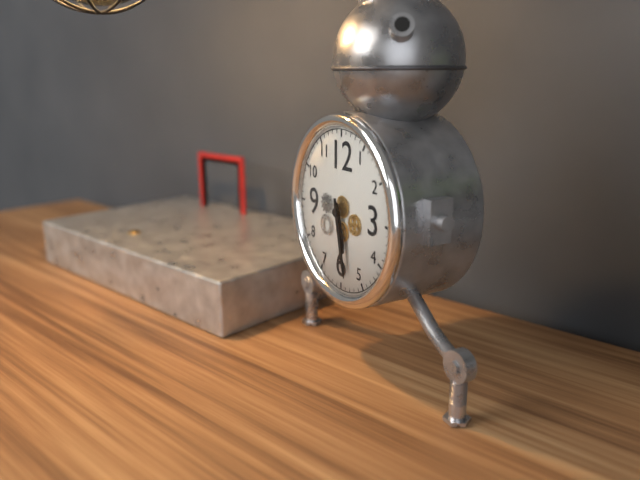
5:28
